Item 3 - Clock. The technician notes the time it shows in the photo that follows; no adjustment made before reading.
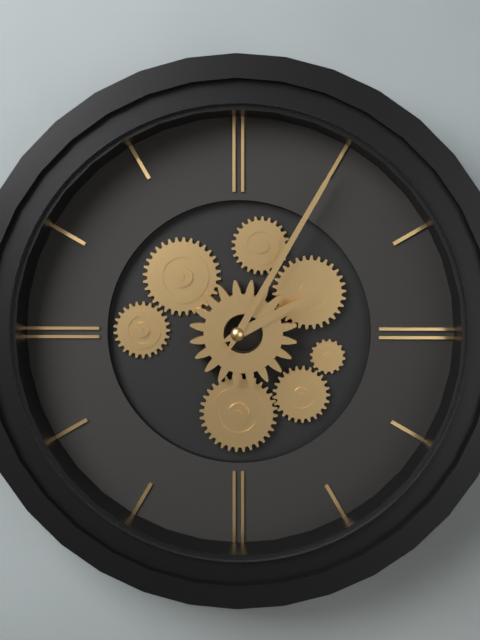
2:05
